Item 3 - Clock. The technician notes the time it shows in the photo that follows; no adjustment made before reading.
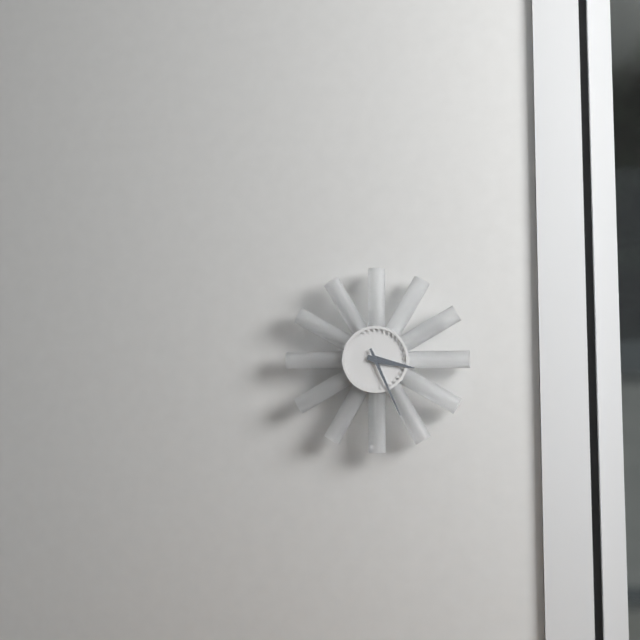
3:26
